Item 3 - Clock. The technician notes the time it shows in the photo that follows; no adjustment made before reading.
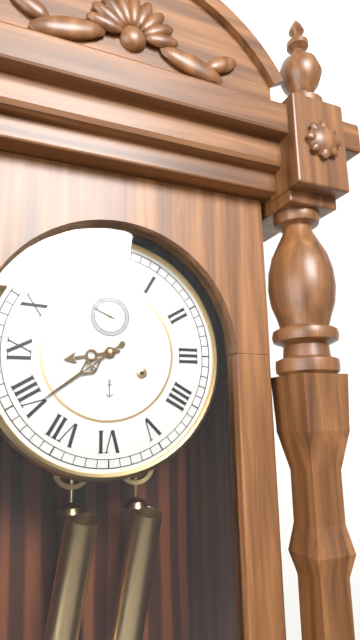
8:39
